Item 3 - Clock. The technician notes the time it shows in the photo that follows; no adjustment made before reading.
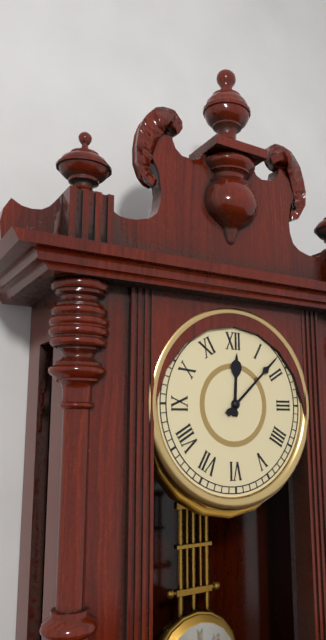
12:08
